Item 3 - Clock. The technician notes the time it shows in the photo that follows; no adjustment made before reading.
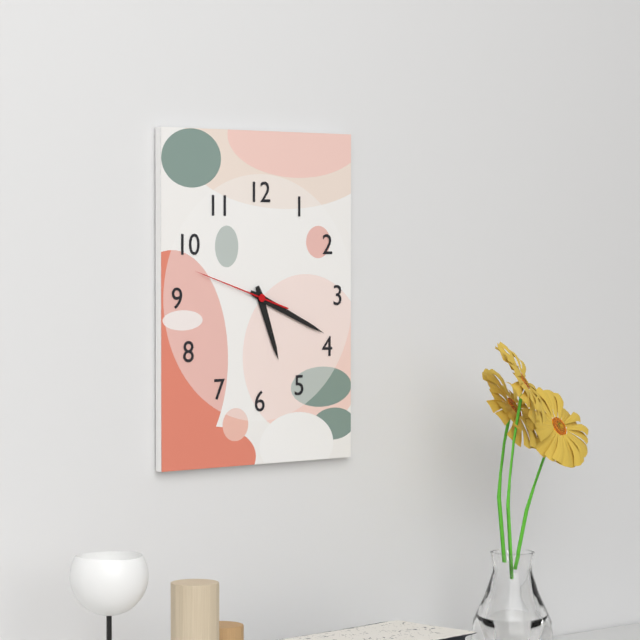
5:19:48
